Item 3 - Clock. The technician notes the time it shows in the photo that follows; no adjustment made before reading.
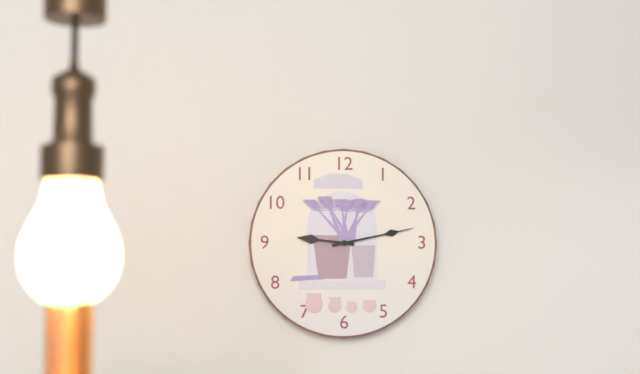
9:13
